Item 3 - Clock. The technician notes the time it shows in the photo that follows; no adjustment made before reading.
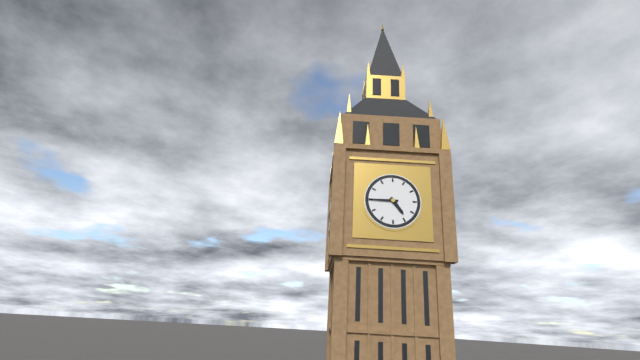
4:45
